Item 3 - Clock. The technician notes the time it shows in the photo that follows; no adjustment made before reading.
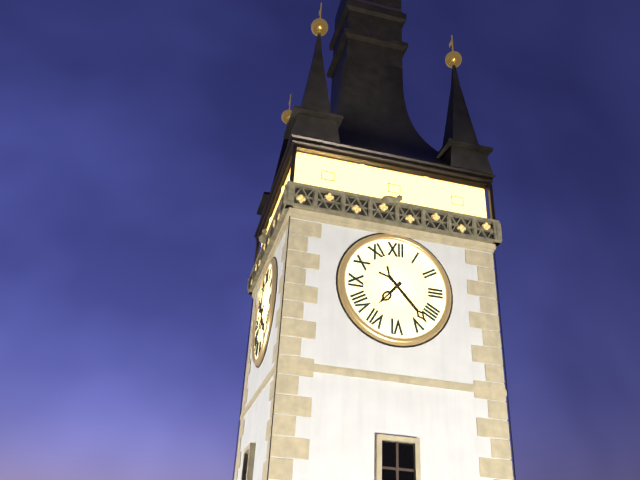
7:23
